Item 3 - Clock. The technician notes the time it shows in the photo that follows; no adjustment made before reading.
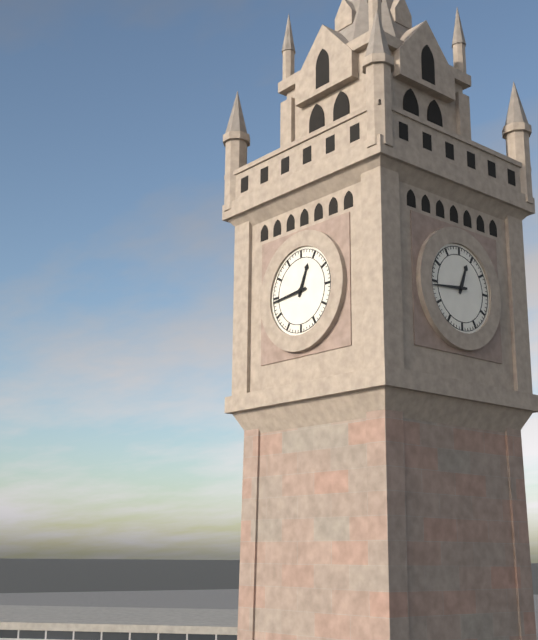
12:44
